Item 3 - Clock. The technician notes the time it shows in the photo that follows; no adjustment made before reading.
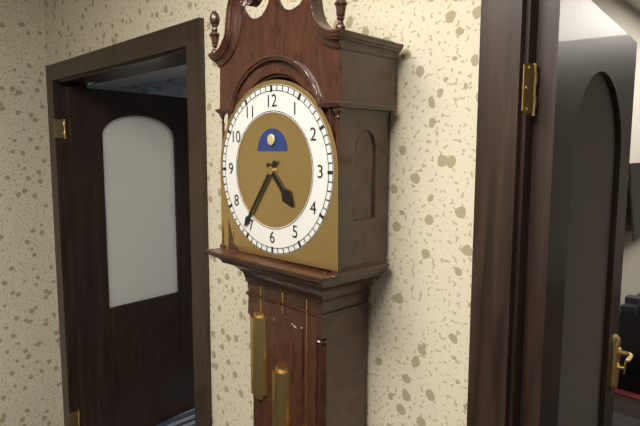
4:36
